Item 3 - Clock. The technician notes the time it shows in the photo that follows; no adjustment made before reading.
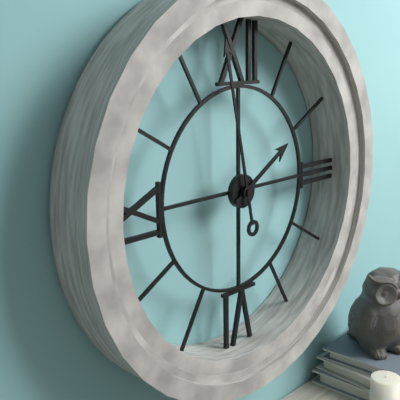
1:58
